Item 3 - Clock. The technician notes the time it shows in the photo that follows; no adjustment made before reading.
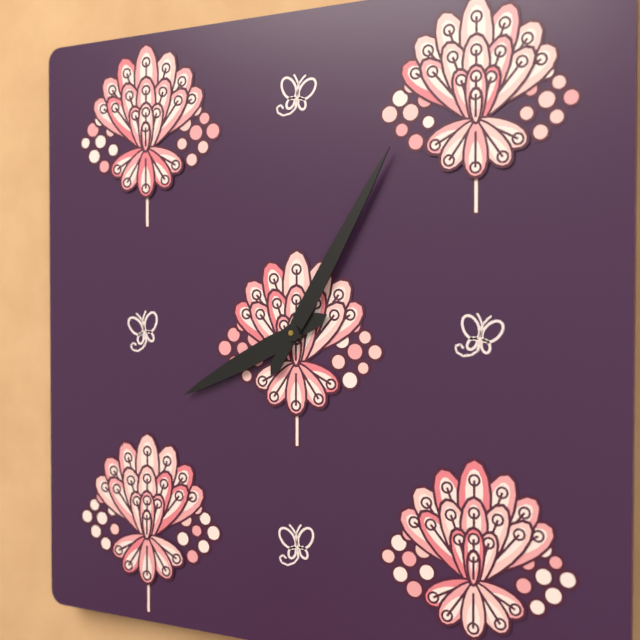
8:05
